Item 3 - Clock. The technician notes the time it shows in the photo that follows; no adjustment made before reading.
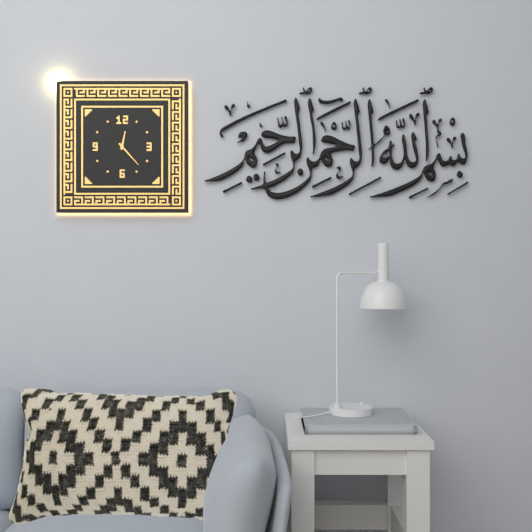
12:23
